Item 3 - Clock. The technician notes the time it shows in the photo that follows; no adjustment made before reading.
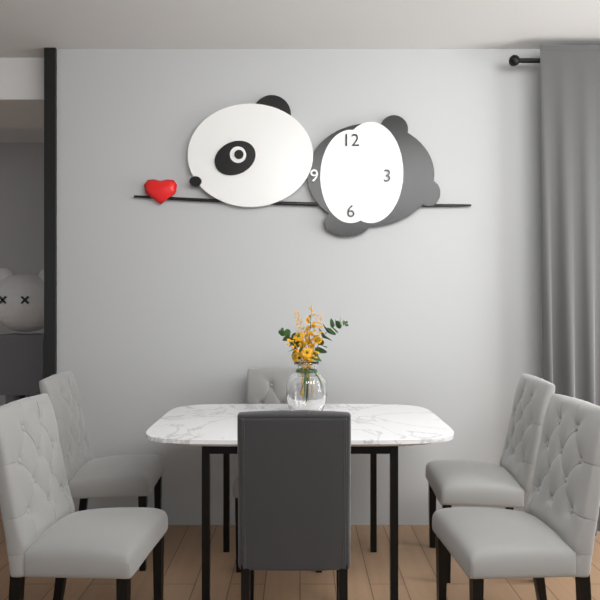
1:06
